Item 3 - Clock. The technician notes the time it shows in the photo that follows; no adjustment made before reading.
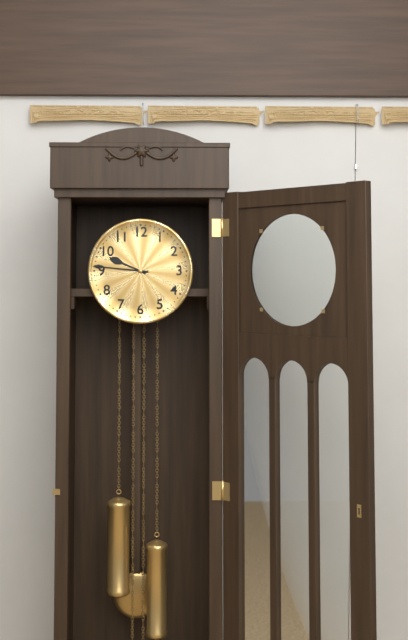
9:46
